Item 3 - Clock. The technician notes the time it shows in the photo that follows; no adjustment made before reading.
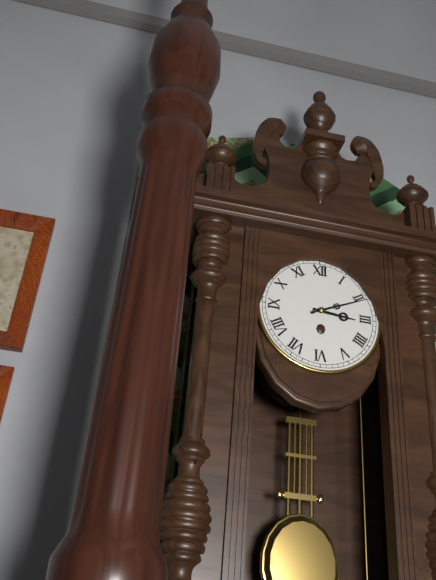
3:11
